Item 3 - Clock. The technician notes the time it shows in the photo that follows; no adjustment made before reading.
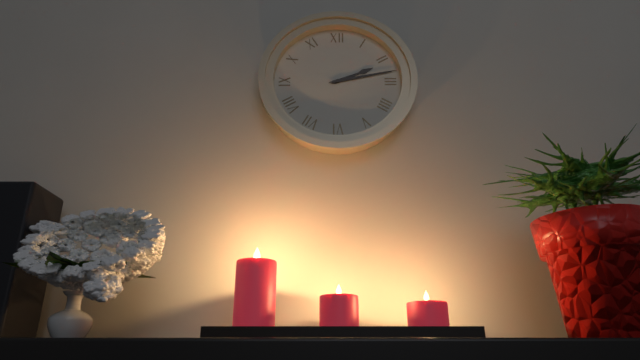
2:13
